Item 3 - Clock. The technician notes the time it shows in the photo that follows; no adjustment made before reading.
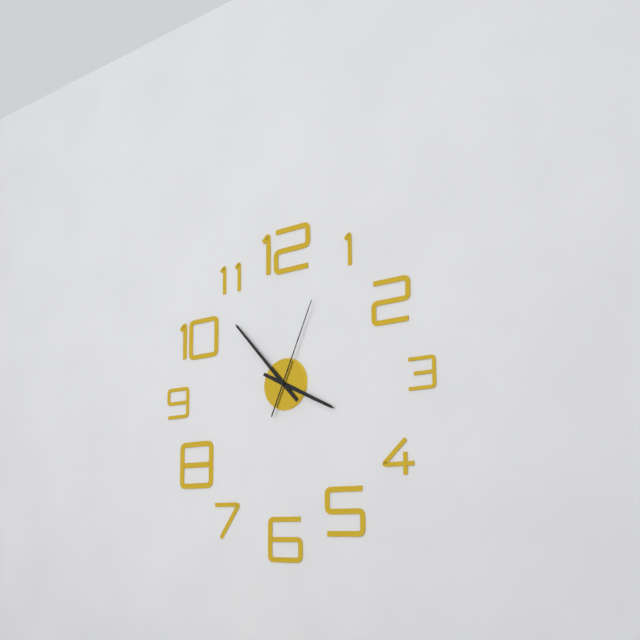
3:53:04
